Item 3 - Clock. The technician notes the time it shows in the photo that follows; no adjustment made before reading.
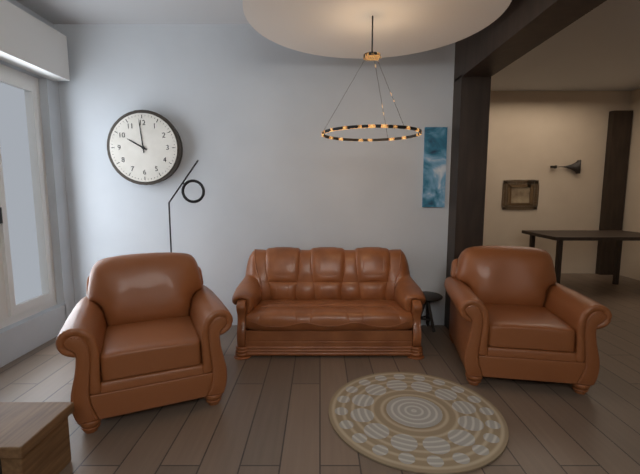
9:59
